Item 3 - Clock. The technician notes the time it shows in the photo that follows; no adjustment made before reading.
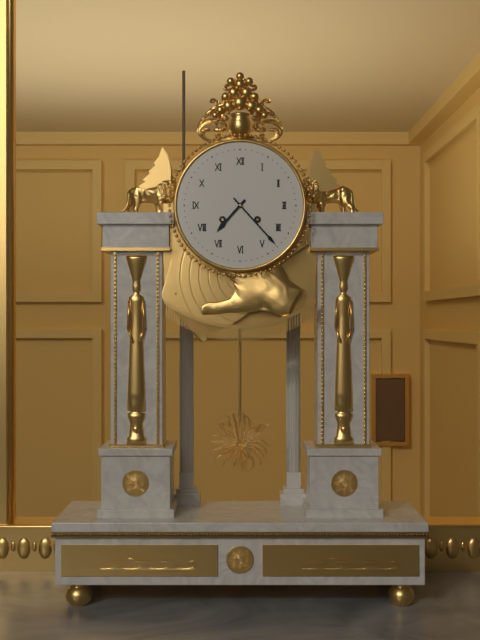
7:23
